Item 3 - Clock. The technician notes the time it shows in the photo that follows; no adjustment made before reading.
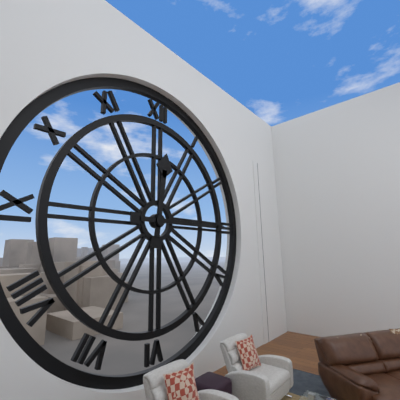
12:15
